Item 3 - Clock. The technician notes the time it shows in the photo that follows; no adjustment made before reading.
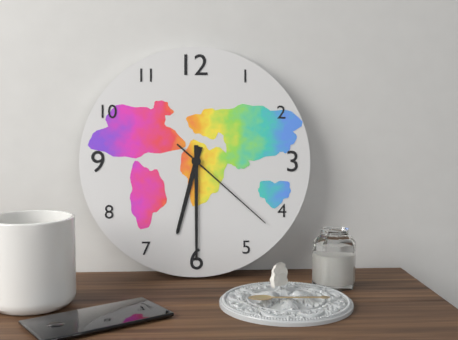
6:30:22
